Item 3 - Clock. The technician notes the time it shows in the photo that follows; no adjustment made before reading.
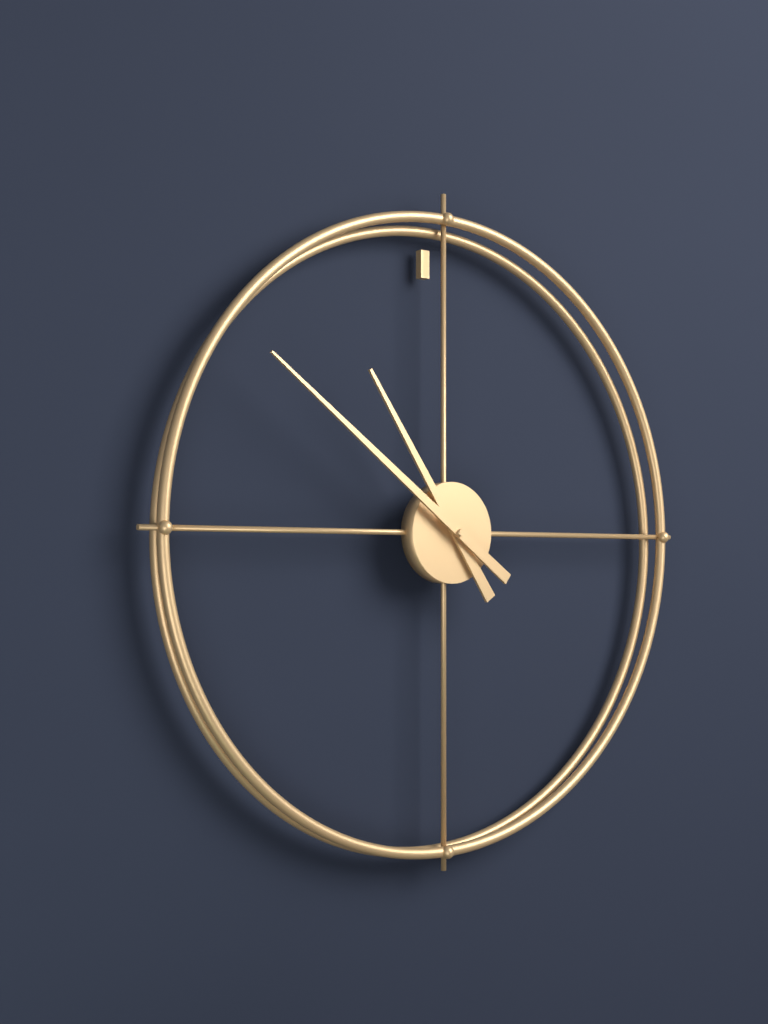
10:51
